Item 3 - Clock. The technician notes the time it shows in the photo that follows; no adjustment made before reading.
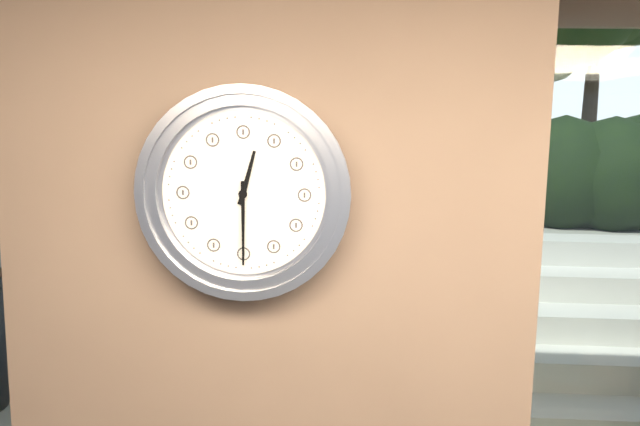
12:30
